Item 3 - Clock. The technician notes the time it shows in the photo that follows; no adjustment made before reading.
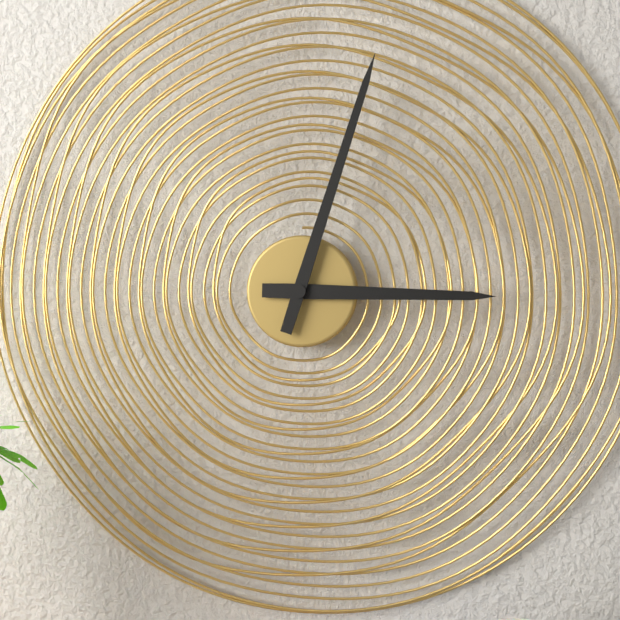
3:03
